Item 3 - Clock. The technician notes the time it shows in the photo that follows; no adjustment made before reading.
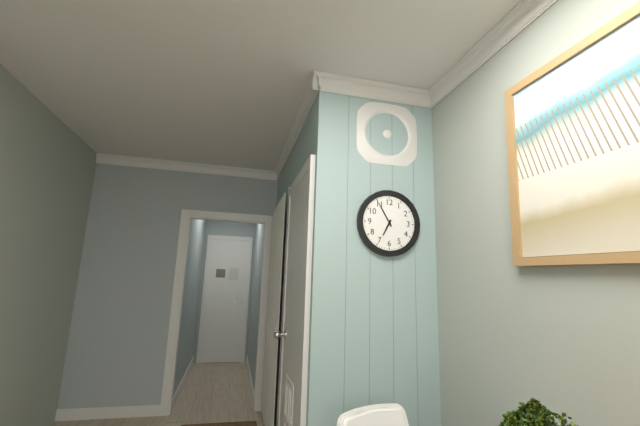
6:55
